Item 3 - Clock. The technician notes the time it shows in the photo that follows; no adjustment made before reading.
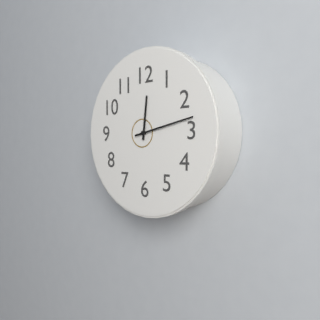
12:13
